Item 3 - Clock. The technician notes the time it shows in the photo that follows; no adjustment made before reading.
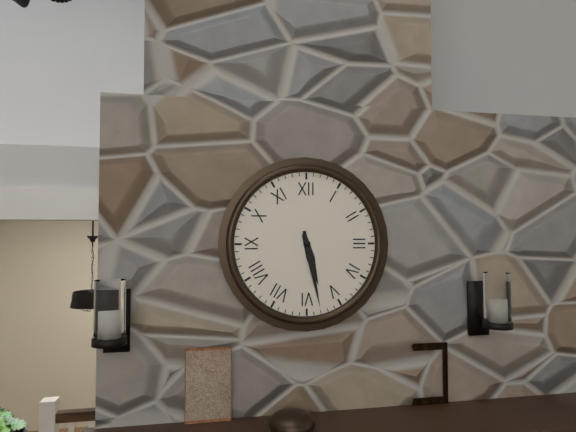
5:28
